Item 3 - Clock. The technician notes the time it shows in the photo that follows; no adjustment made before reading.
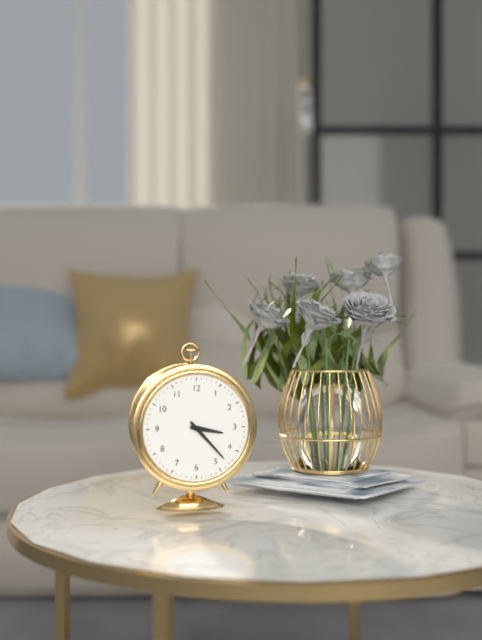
3:23
